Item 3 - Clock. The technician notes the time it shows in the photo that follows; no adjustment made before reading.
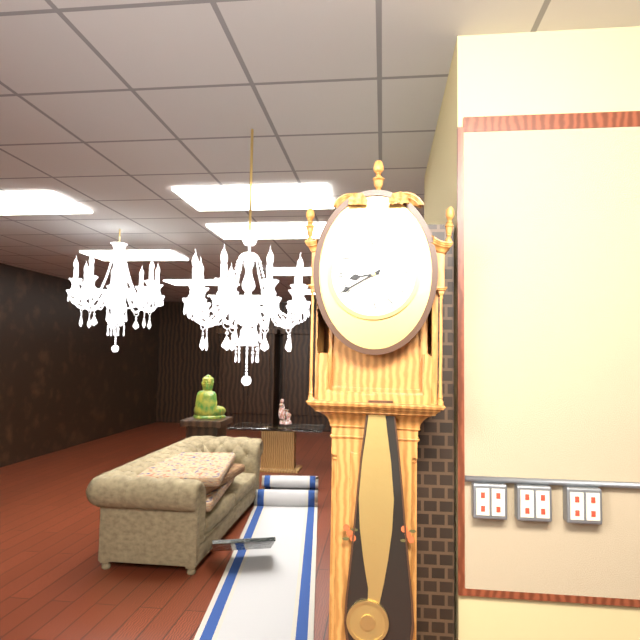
8:40
